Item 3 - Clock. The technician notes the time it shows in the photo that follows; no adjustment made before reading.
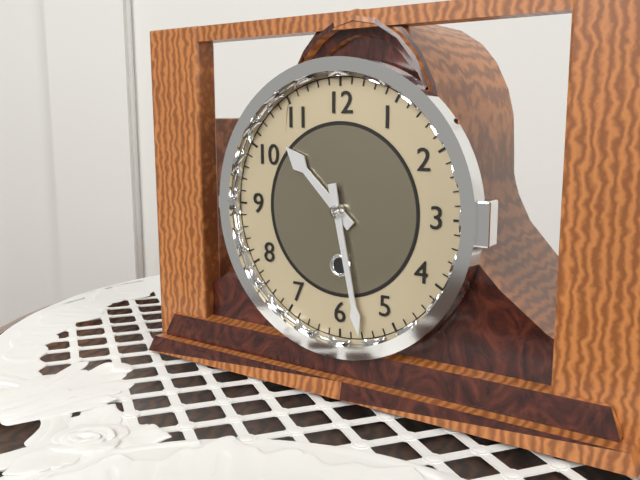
10:28
